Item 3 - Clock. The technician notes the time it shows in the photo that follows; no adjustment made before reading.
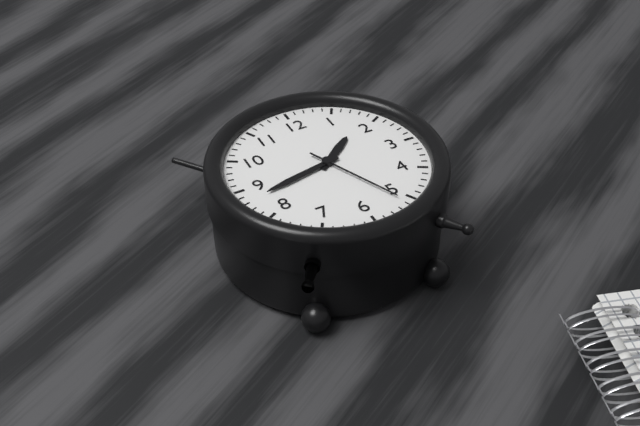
1:43:26
